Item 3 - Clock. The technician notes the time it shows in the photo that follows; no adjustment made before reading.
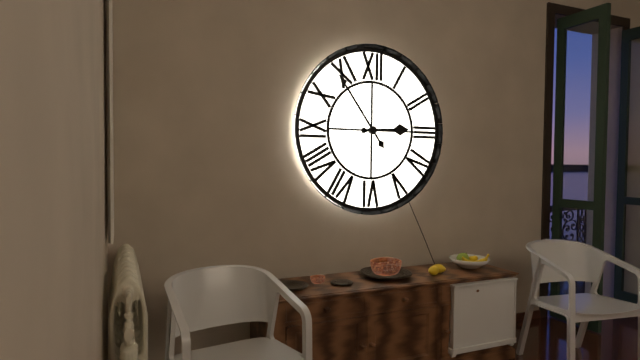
2:54
